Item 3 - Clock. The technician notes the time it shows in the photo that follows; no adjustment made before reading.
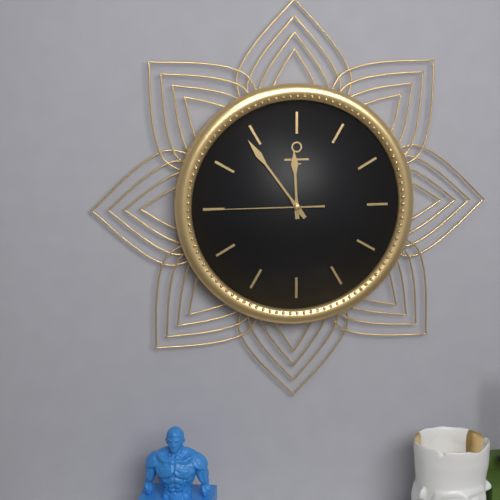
11:54:45
